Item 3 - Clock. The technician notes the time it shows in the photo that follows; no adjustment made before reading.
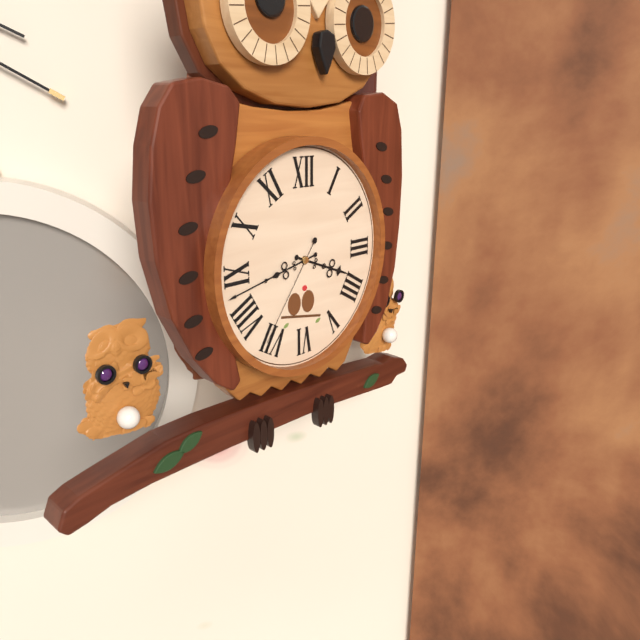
3:43:36
